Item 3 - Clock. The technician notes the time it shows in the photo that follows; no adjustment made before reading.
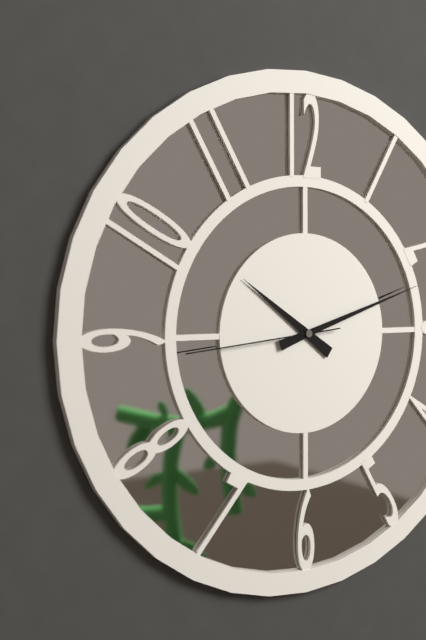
10:12:44
